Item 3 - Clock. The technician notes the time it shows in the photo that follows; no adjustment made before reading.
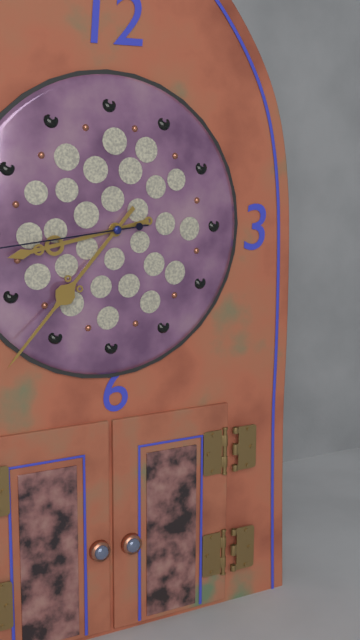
8:37
